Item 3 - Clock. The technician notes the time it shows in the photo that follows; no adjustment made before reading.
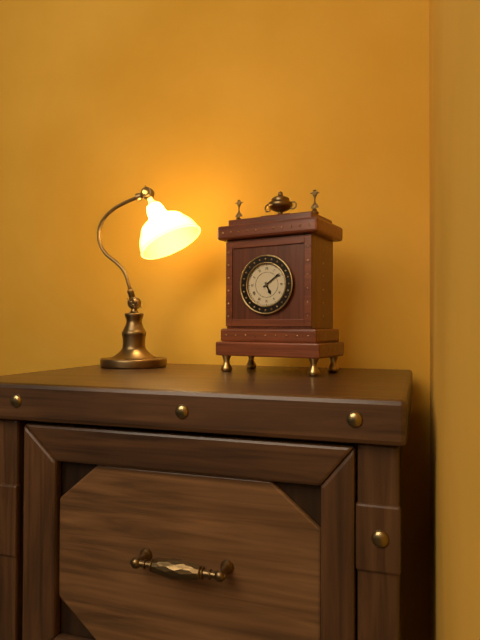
5:09
